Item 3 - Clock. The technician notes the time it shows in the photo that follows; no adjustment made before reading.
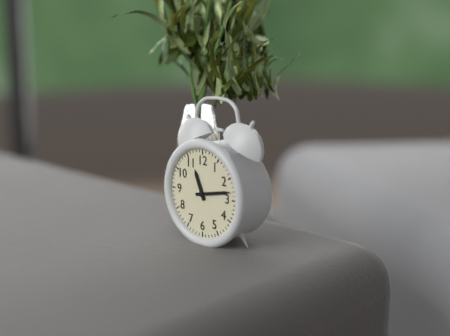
11:13
